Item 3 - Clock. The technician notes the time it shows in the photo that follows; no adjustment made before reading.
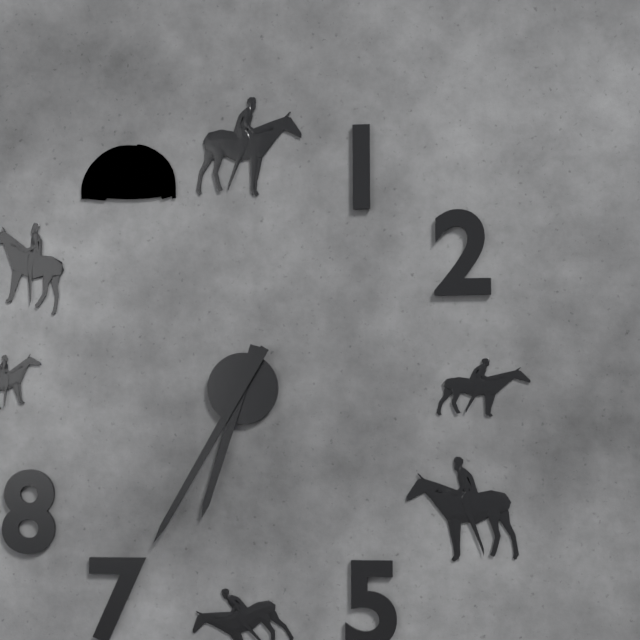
6:35
